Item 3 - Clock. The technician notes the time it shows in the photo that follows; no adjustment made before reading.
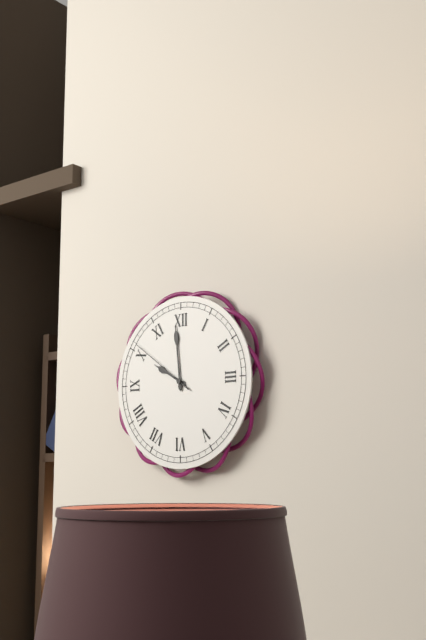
9:59:51
